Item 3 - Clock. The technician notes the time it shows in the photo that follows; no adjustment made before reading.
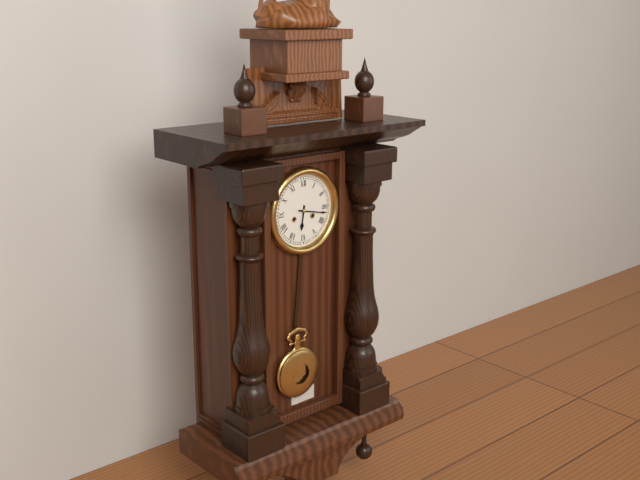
6:17
